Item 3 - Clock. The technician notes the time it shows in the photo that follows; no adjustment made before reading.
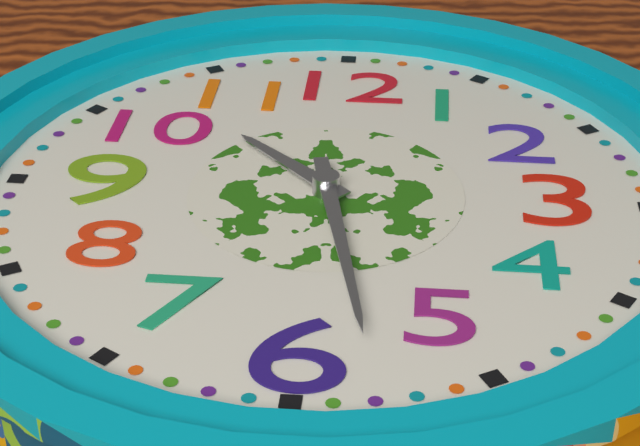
10:28
